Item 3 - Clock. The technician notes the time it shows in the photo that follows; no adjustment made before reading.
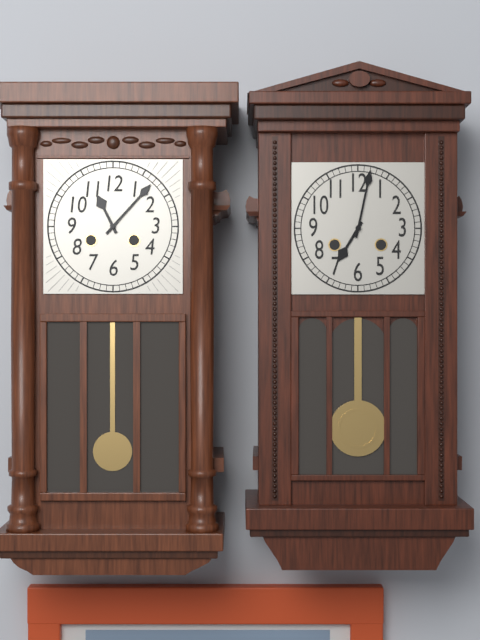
11:07
